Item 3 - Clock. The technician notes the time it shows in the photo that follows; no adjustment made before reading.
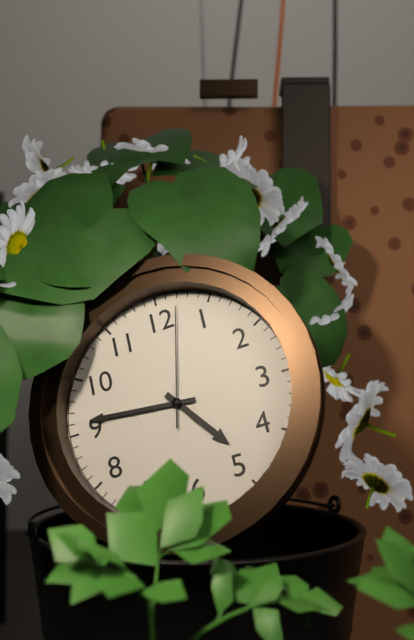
4:46:02
